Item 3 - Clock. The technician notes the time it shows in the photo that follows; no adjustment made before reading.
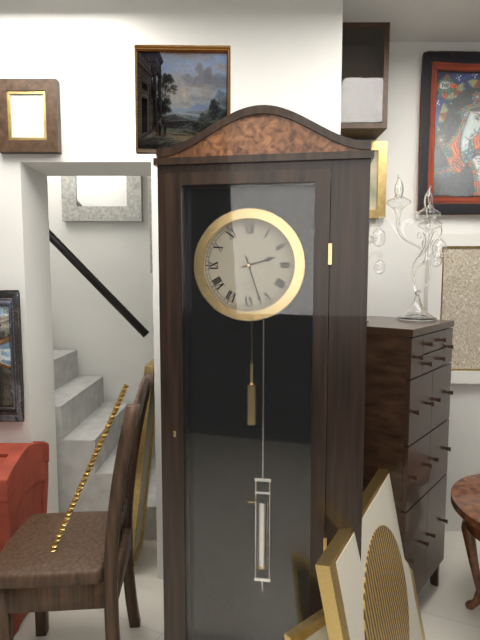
2:27
